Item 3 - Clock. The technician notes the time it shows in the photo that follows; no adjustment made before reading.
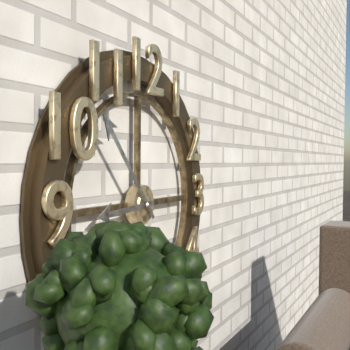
8:53
